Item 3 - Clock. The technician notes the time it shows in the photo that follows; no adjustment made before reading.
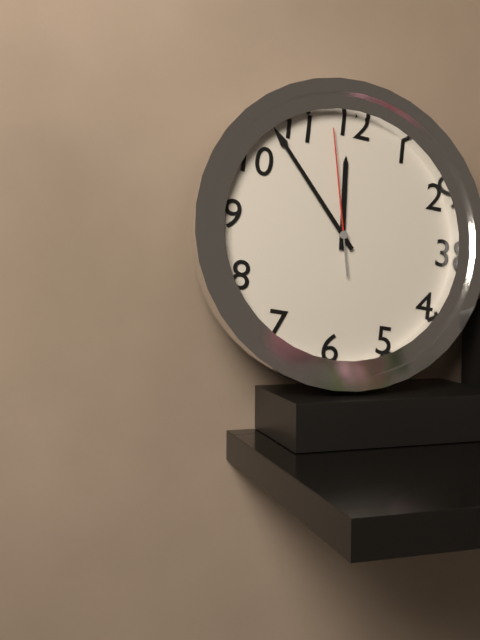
11:53:58
